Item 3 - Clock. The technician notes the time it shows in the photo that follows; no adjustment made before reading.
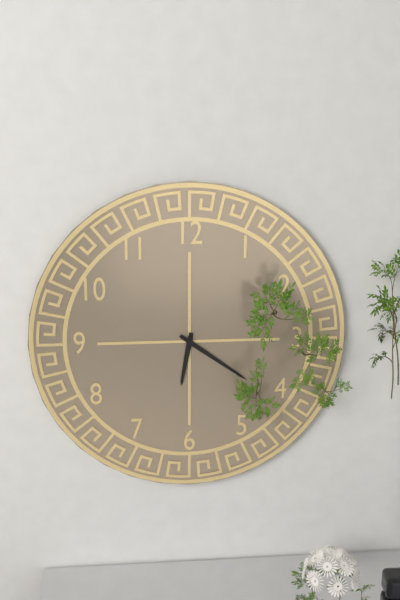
6:21
